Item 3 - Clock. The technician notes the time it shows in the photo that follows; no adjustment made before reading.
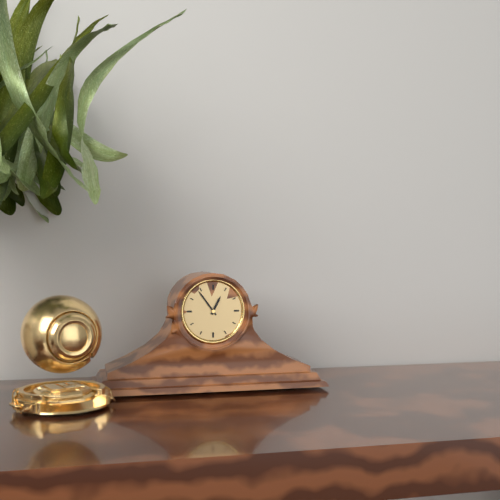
12:54
